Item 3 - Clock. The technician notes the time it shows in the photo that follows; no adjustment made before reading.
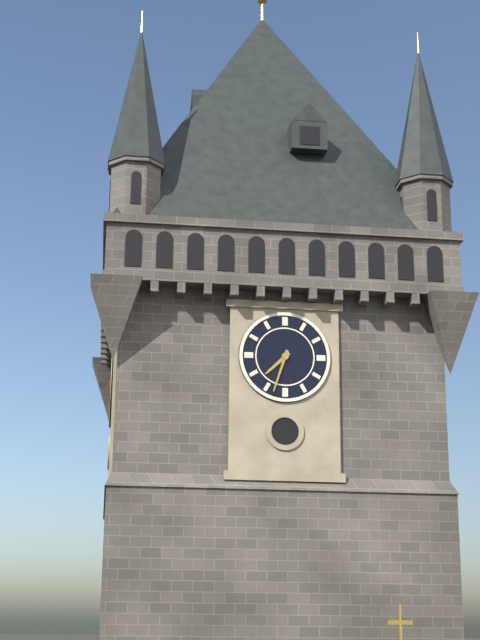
7:33
